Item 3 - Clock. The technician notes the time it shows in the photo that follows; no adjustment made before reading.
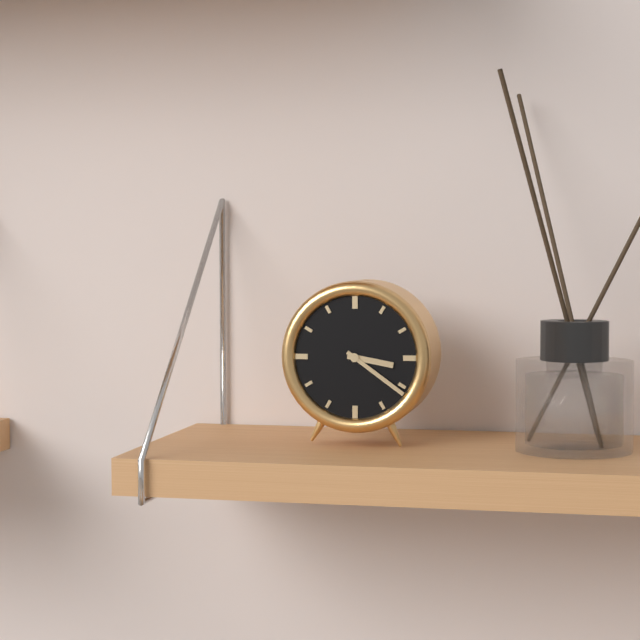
3:21
